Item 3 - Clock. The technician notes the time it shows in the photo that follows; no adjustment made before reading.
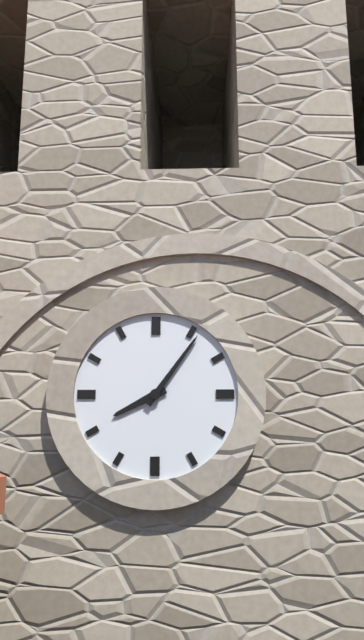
8:06
